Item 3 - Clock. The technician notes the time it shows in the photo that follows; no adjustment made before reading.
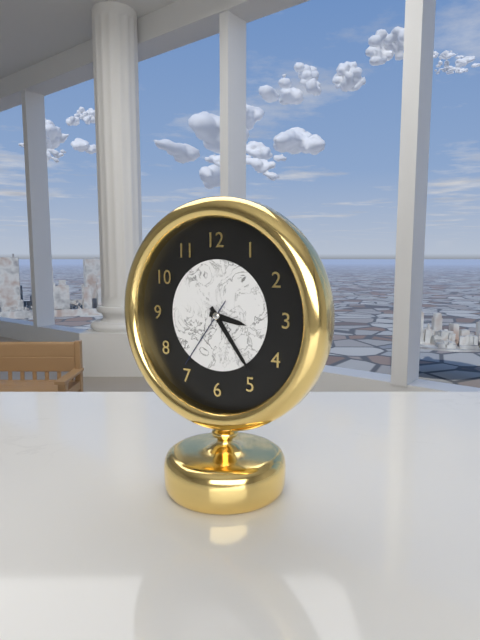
3:24:36
